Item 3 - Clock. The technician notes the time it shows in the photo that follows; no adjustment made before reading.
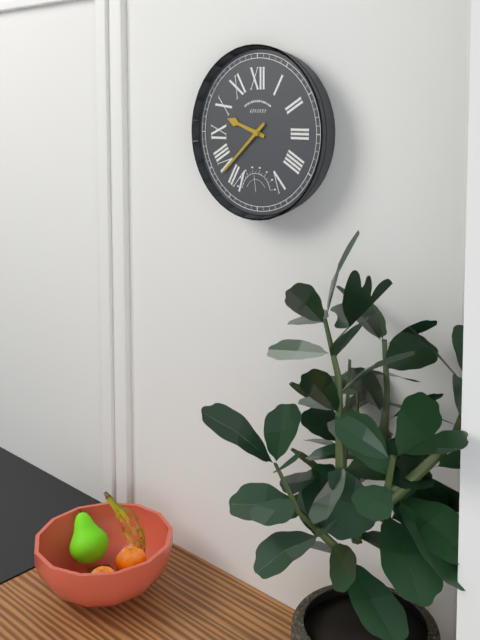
9:38
